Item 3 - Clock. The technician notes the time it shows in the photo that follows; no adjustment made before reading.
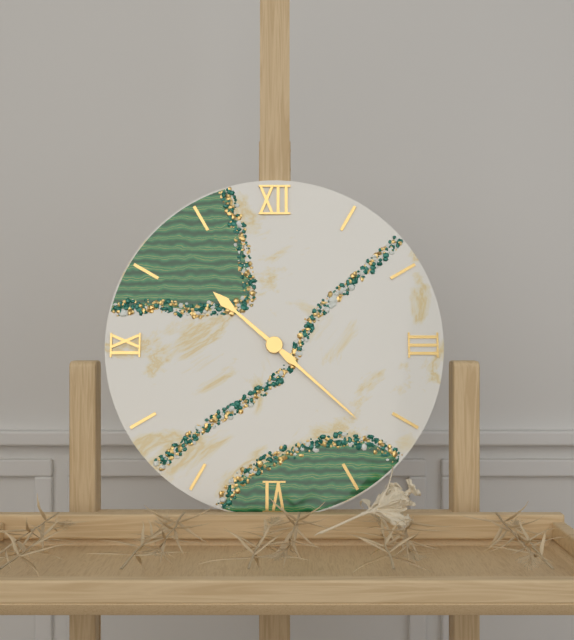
10:22
